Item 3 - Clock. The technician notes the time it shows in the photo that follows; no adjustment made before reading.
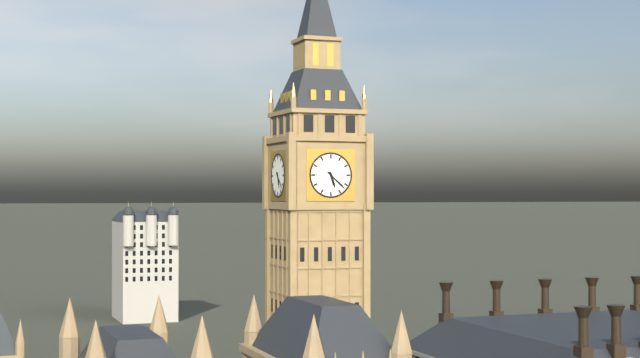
5:22
